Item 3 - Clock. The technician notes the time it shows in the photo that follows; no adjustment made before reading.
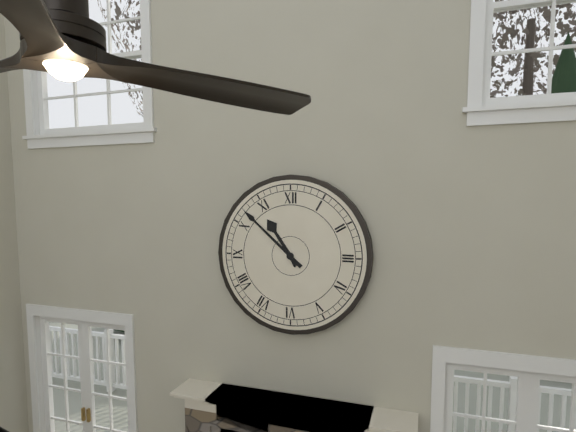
10:52
